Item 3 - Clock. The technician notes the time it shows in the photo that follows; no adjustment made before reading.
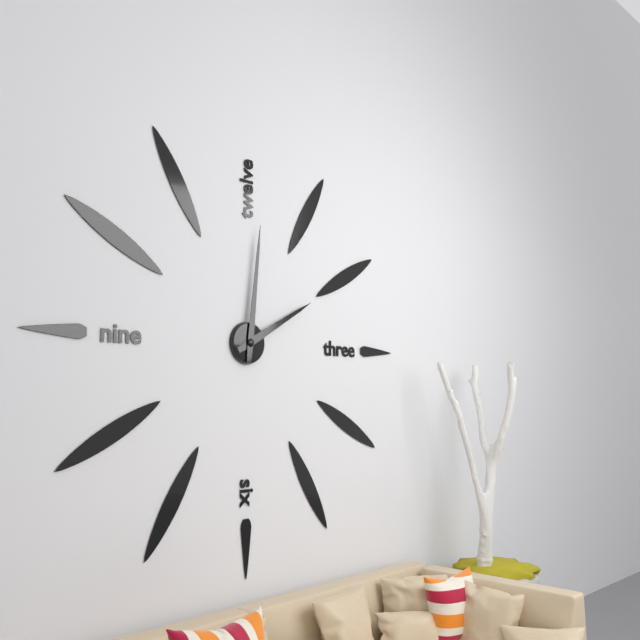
2:01
